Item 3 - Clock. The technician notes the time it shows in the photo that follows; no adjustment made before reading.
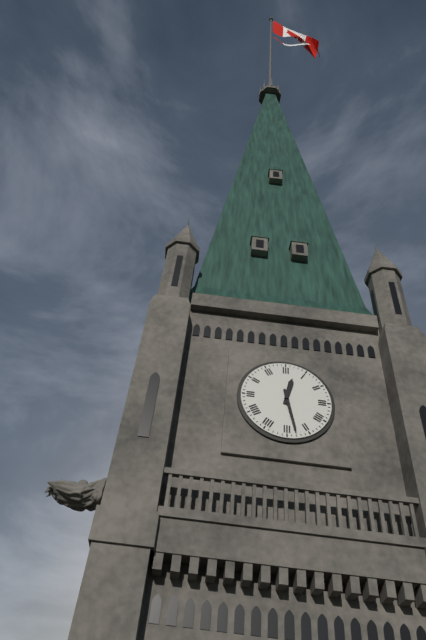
12:28
